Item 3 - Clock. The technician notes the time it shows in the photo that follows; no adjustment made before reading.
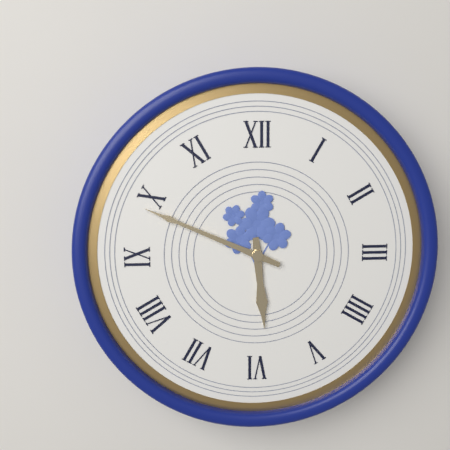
5:49
